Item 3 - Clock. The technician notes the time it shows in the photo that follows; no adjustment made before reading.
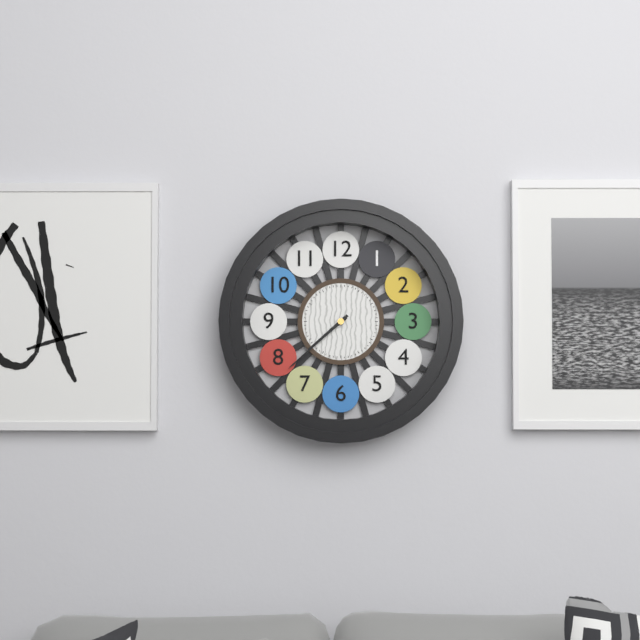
7:38
